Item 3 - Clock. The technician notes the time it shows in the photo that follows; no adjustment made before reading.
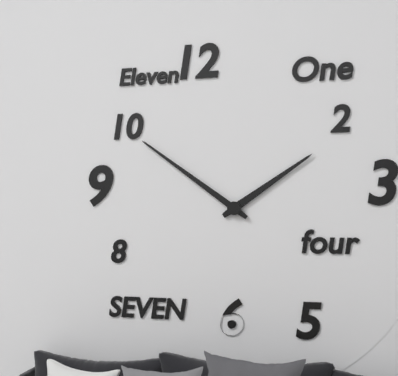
1:51
